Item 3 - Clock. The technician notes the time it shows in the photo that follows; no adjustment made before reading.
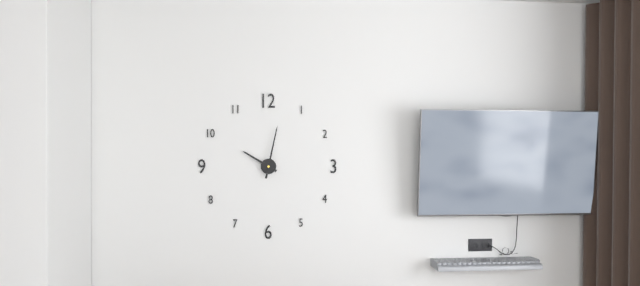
10:02
